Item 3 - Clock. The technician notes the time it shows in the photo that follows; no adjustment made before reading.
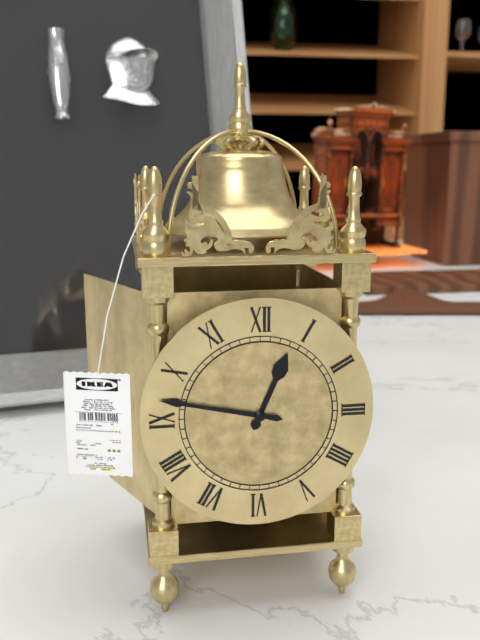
12:47
